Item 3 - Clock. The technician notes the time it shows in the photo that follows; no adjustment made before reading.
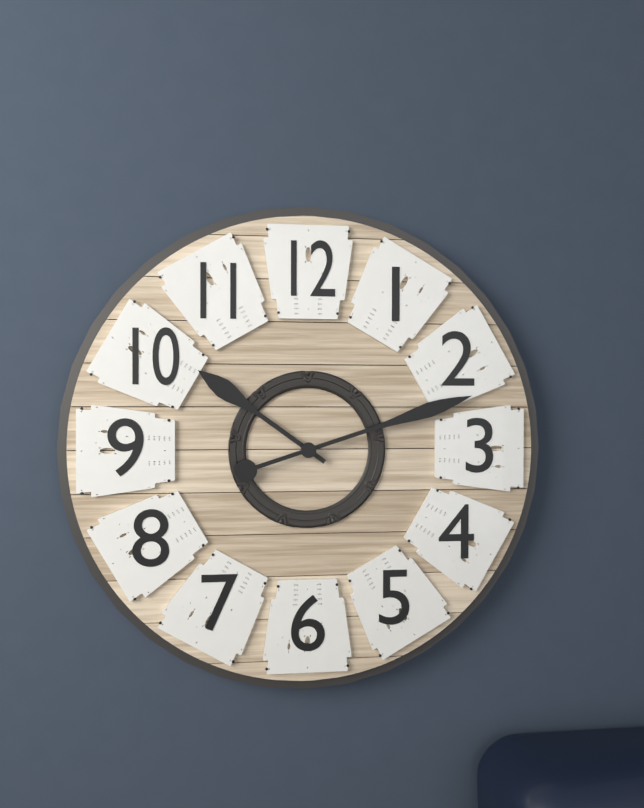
10:12
